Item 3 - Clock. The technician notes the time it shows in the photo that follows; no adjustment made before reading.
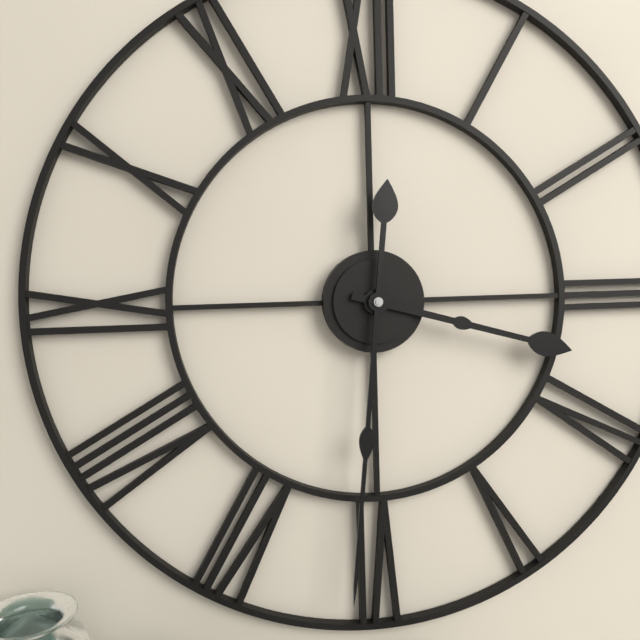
3:31
